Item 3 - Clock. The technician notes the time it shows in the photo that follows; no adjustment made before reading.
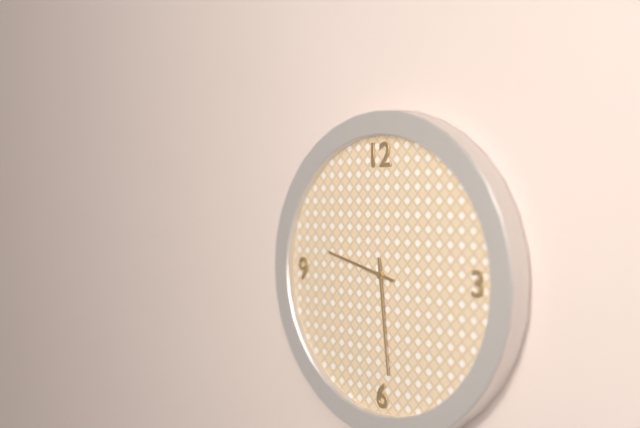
9:29
